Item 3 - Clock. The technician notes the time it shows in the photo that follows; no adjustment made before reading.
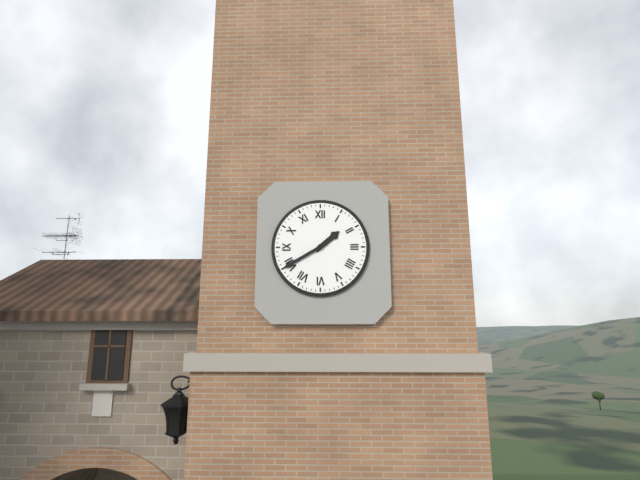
1:40
